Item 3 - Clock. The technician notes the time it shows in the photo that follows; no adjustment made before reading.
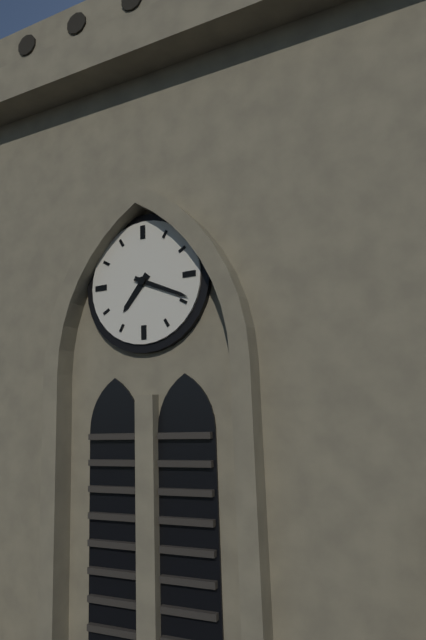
7:19
